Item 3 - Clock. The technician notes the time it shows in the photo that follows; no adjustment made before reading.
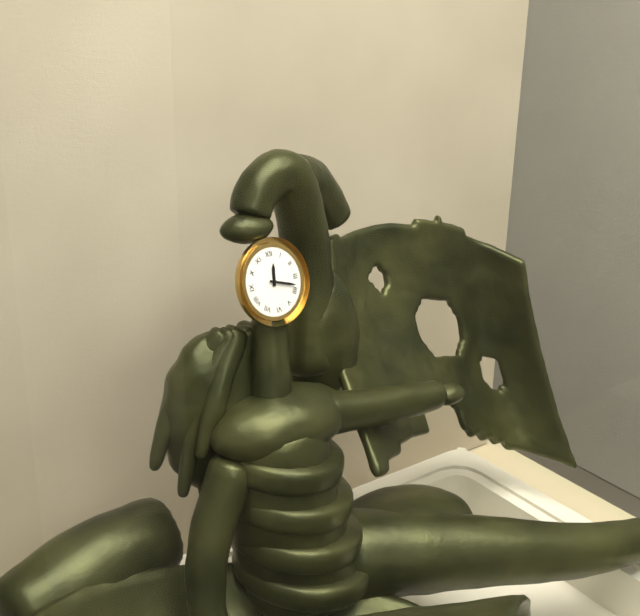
12:18
